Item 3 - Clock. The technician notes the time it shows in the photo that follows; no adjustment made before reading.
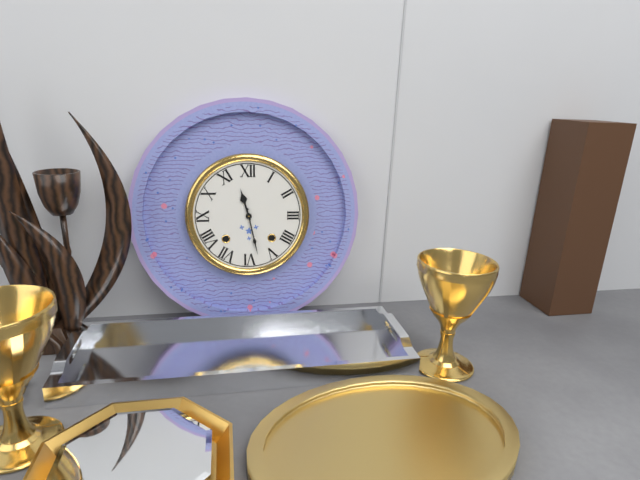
11:28
